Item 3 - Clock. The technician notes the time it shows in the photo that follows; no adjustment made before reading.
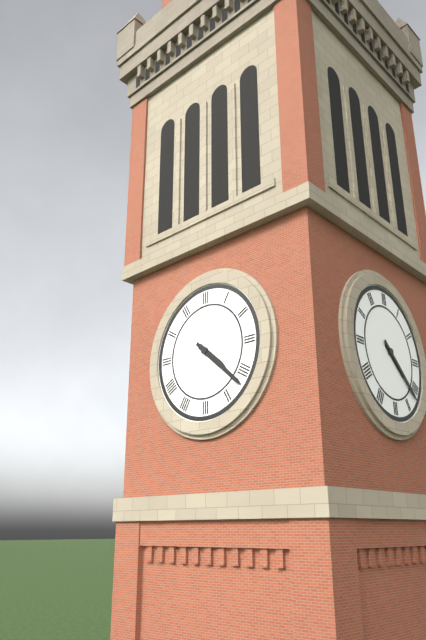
4:22
